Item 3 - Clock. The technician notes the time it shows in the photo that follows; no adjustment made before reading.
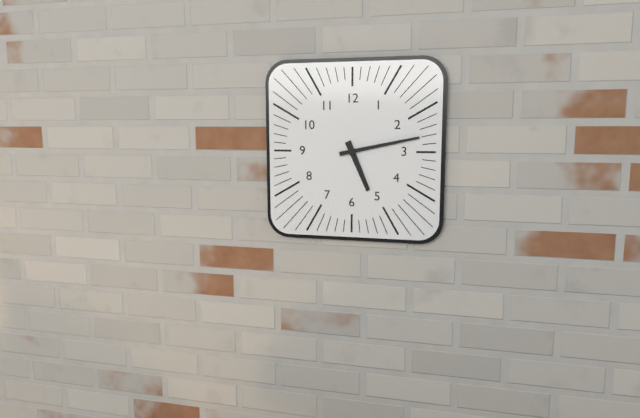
5:13
